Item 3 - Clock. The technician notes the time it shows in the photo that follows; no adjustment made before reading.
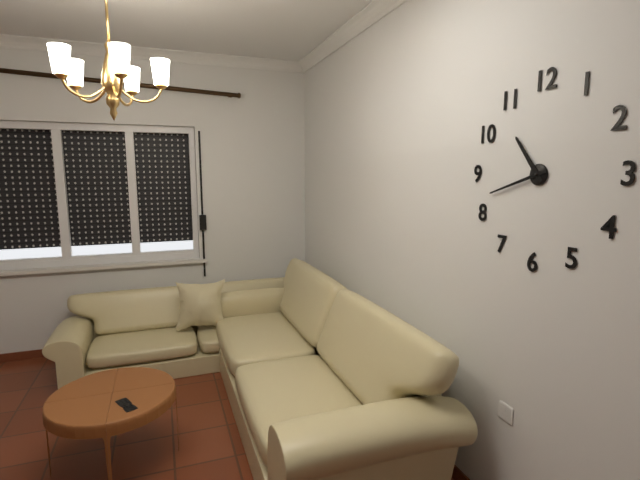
10:42
